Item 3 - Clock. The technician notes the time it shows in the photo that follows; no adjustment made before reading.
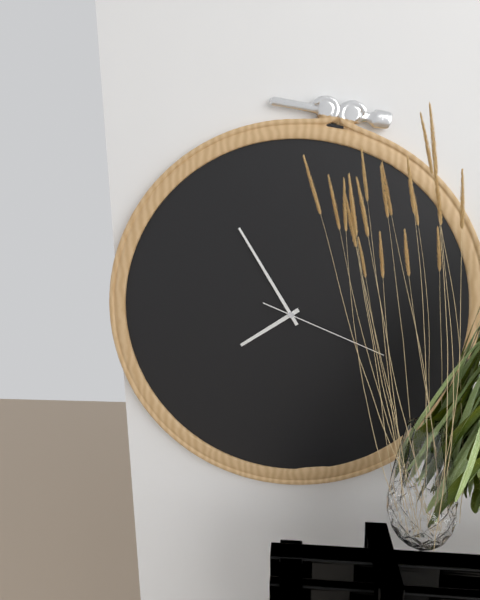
7:55:19
